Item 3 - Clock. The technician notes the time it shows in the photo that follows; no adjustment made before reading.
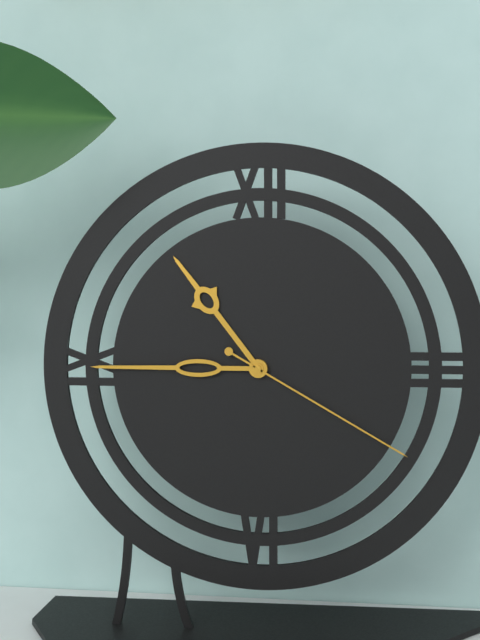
10:45:20
